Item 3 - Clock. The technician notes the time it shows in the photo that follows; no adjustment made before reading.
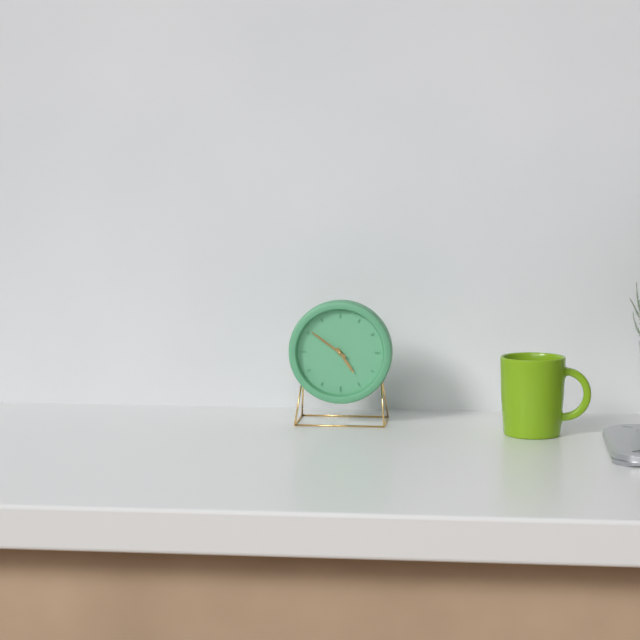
4:51
